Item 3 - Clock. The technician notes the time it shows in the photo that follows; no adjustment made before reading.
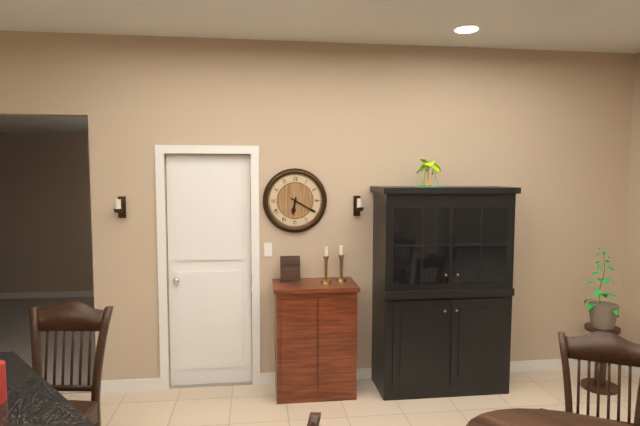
6:20
